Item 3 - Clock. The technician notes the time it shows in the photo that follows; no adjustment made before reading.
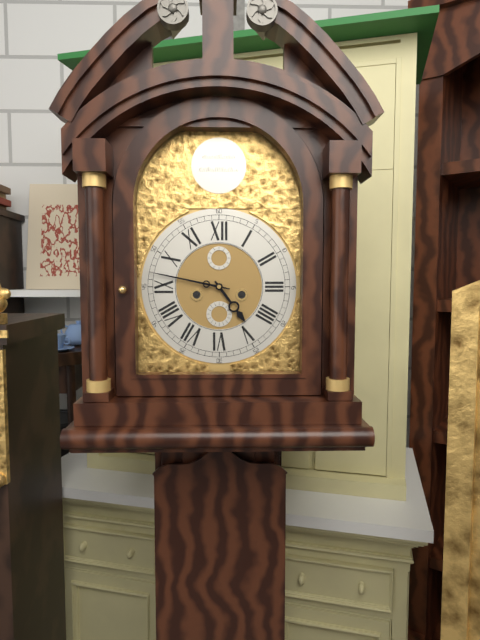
4:47
